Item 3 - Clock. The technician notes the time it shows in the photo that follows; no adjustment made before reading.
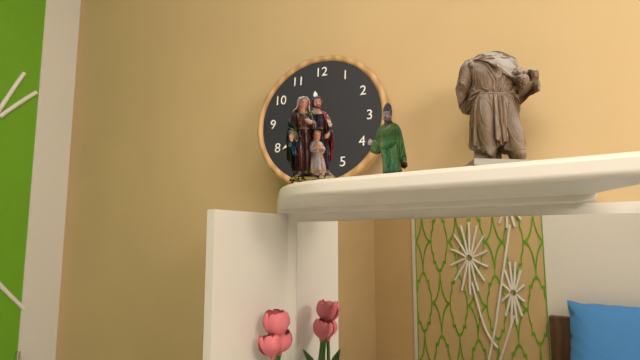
11:39
